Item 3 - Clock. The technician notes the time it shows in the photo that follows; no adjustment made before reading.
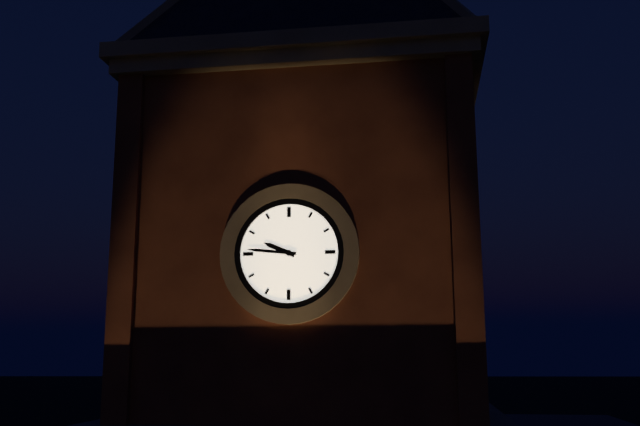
9:46
